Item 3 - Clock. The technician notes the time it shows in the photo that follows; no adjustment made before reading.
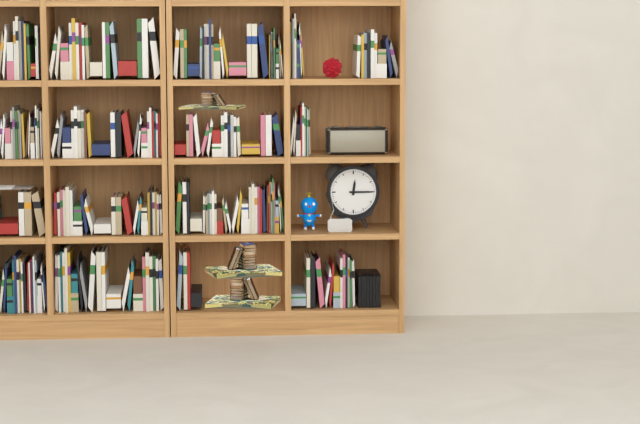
12:15
